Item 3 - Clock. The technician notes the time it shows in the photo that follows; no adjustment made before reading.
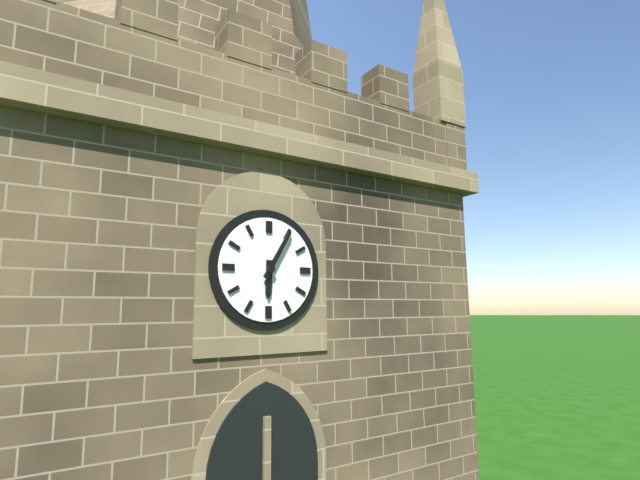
6:05
